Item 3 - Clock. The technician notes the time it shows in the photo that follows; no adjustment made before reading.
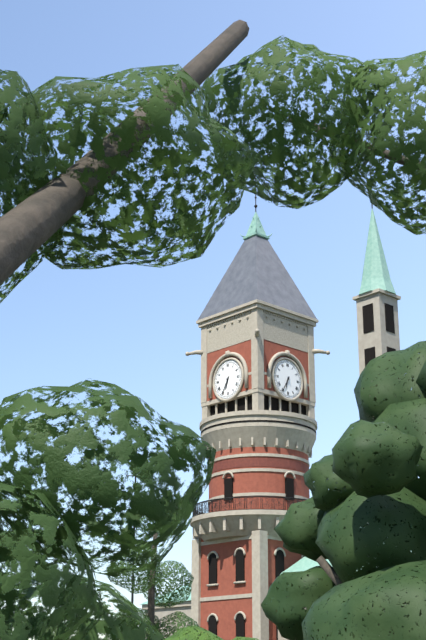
6:35
